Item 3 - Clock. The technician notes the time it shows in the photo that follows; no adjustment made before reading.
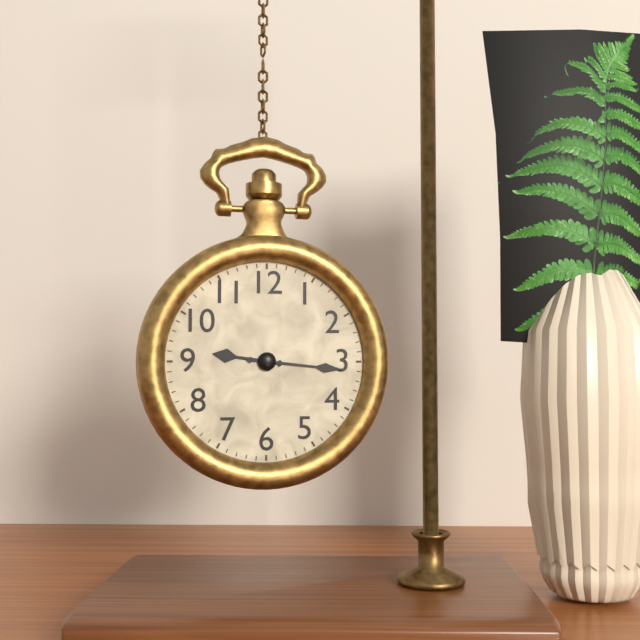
9:16
